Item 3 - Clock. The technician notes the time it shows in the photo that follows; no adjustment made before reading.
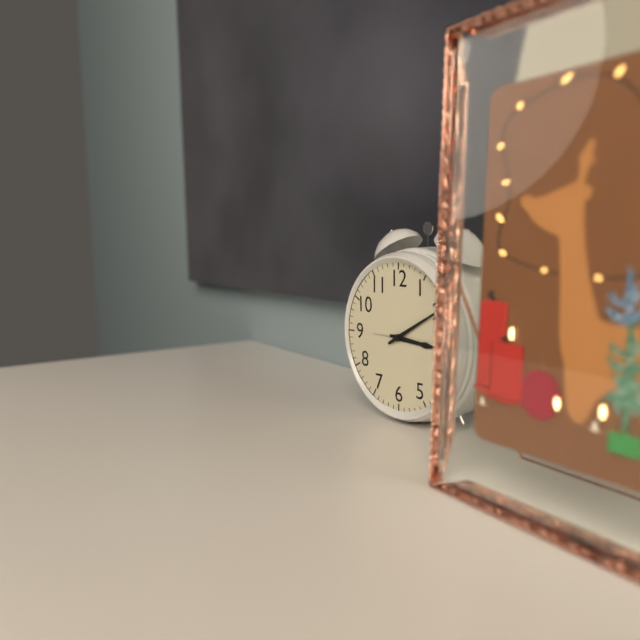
3:10
